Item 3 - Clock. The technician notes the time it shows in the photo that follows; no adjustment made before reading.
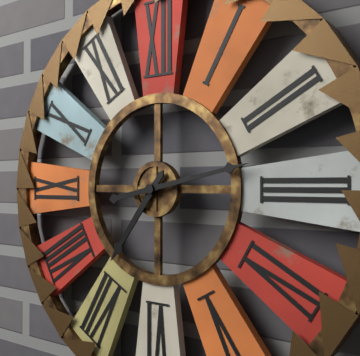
7:13
